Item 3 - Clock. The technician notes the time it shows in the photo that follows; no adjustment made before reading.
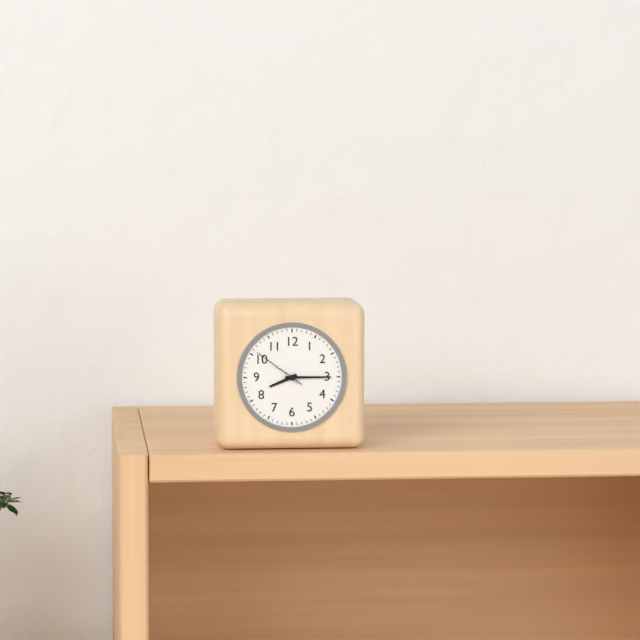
8:15:51
